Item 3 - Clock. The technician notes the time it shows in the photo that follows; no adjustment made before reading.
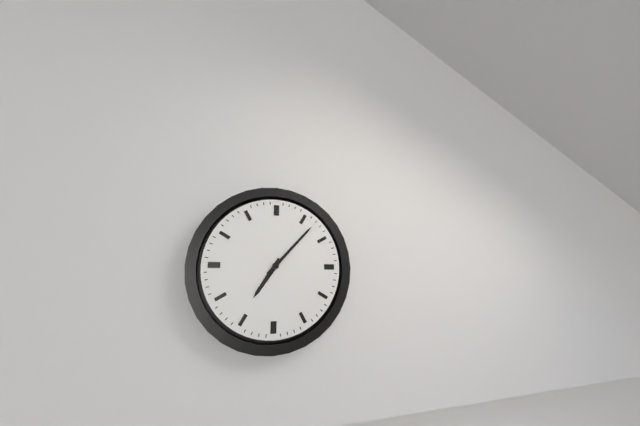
7:07
